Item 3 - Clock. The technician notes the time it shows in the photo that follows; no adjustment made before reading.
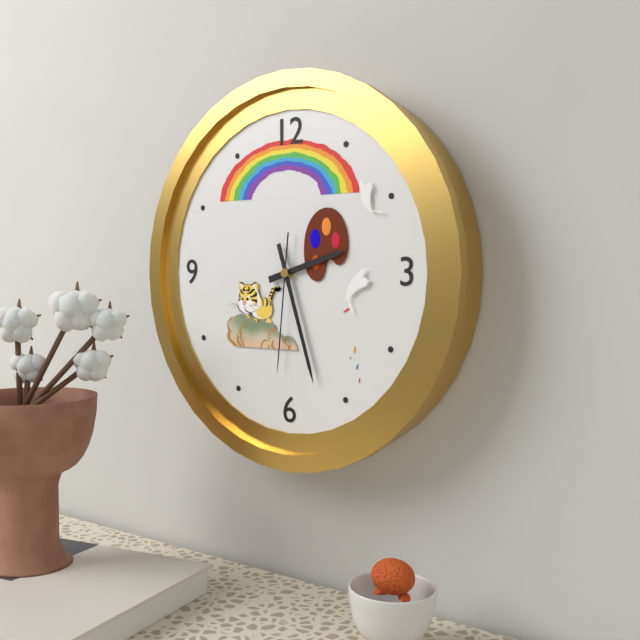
2:27:31
